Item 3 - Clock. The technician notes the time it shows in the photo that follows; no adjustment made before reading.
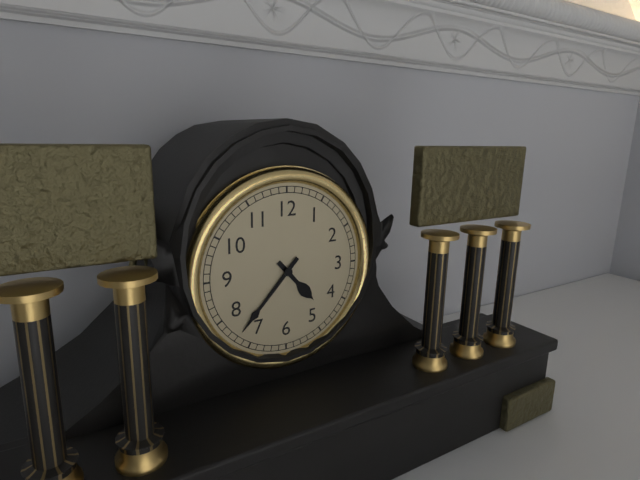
4:37
